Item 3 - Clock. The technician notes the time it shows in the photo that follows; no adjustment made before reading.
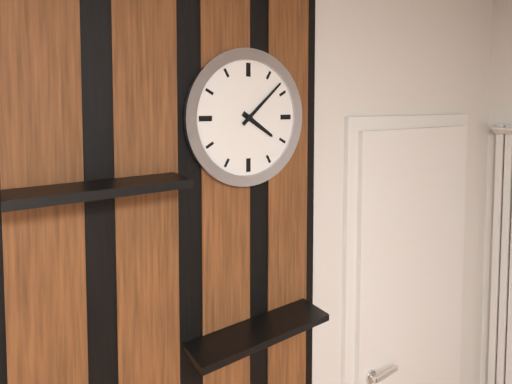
4:08
